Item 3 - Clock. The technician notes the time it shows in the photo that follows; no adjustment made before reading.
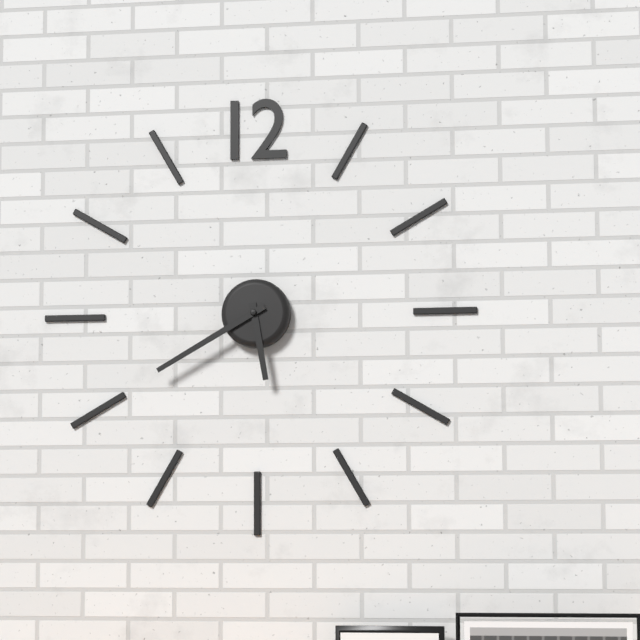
5:40
